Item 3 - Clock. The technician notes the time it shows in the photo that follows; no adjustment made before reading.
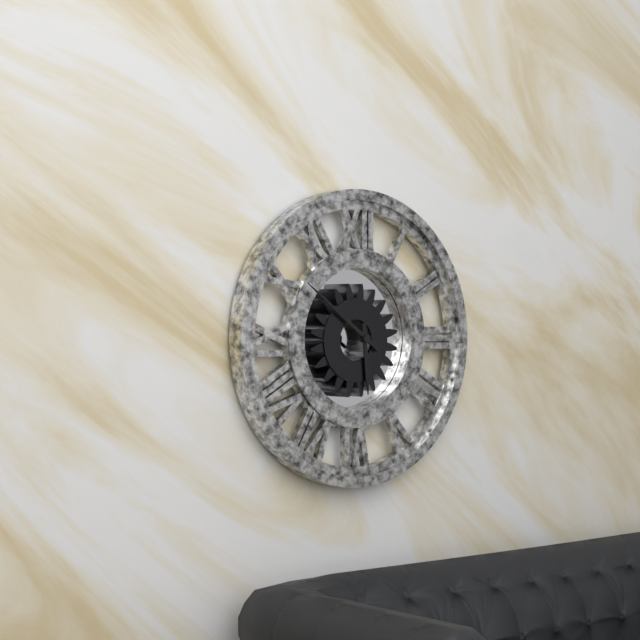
5:51
